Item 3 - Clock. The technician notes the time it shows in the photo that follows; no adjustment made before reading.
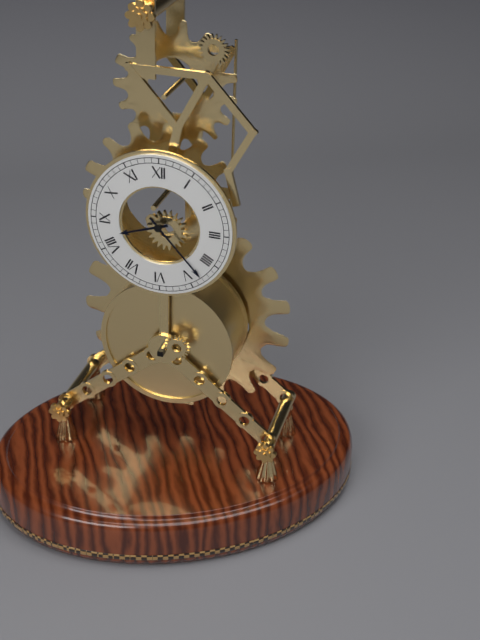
8:23
